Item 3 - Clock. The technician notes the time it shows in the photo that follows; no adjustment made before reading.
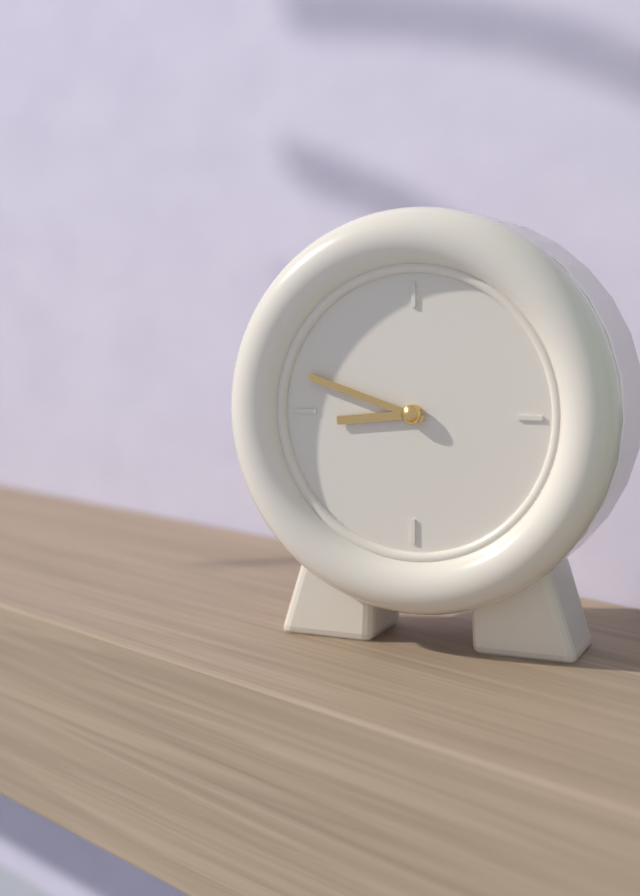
8:48
